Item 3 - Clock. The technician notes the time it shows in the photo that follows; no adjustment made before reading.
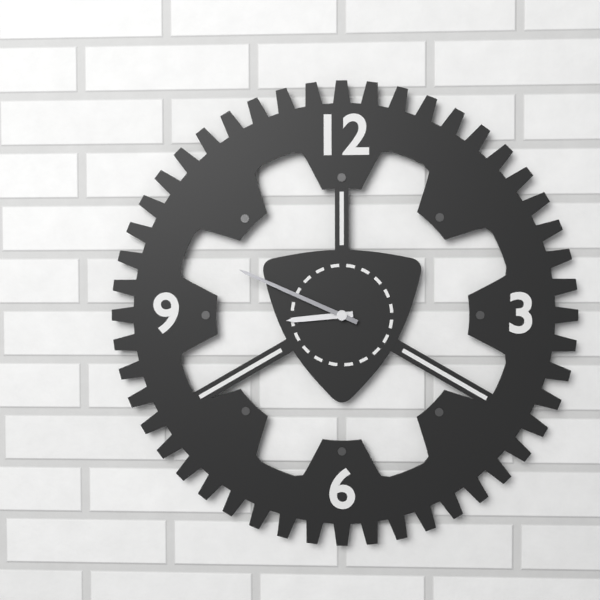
8:49
